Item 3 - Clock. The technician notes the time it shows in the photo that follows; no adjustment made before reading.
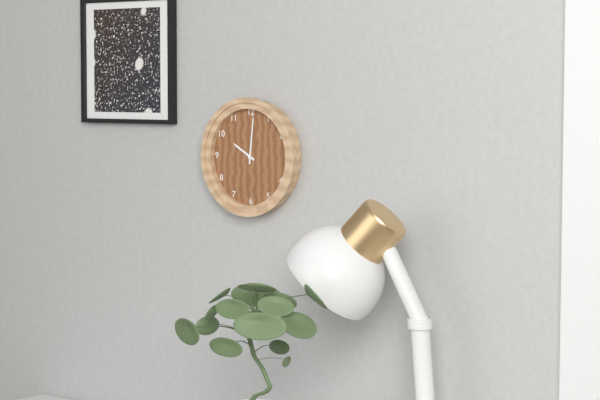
10:01
